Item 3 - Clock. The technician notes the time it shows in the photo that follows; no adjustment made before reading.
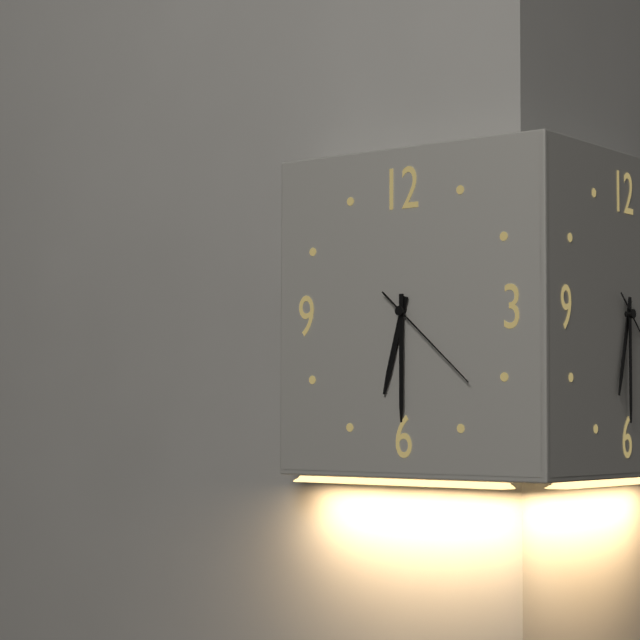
6:30:22
